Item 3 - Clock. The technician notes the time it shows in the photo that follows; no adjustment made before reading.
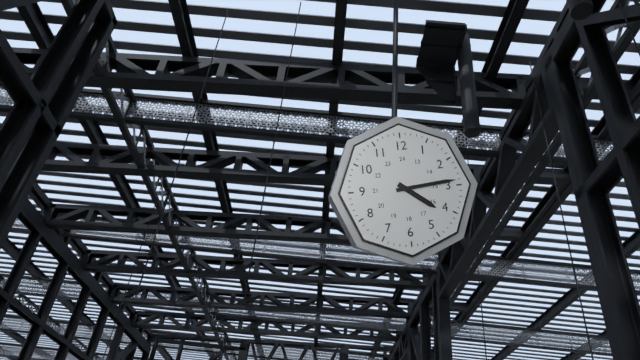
4:14
